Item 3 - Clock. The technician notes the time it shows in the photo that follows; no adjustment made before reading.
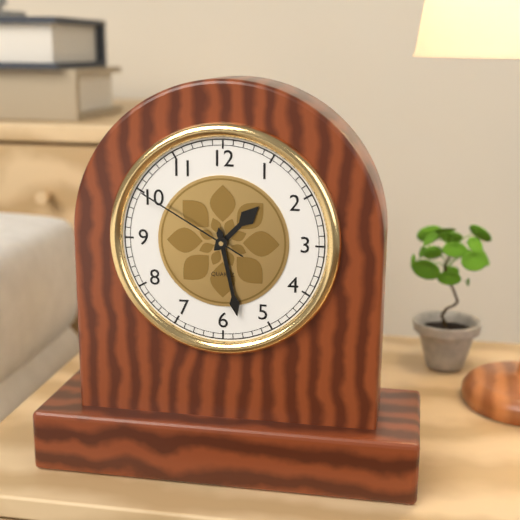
1:28:50
